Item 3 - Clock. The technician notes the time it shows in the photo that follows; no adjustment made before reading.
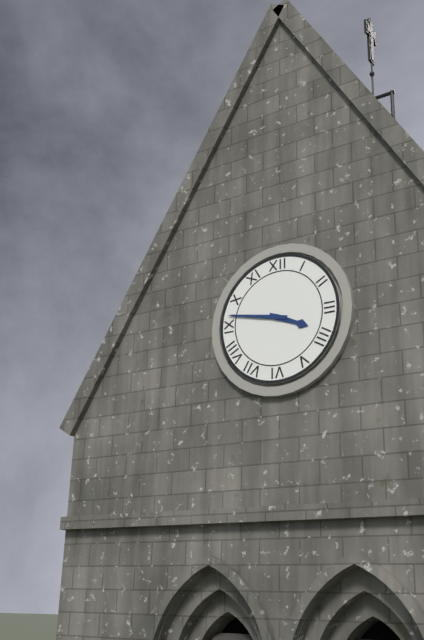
3:47
